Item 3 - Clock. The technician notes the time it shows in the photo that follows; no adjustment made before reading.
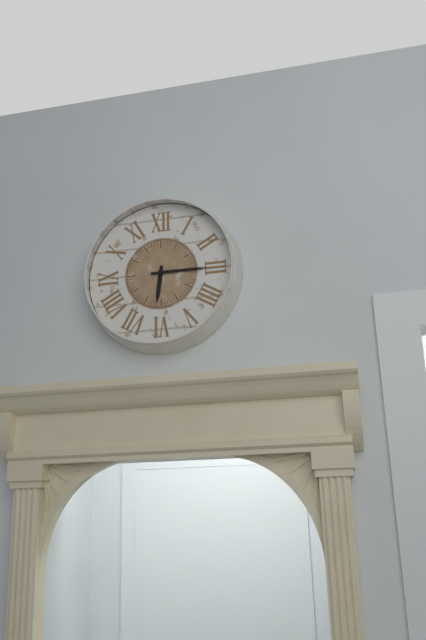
6:15
